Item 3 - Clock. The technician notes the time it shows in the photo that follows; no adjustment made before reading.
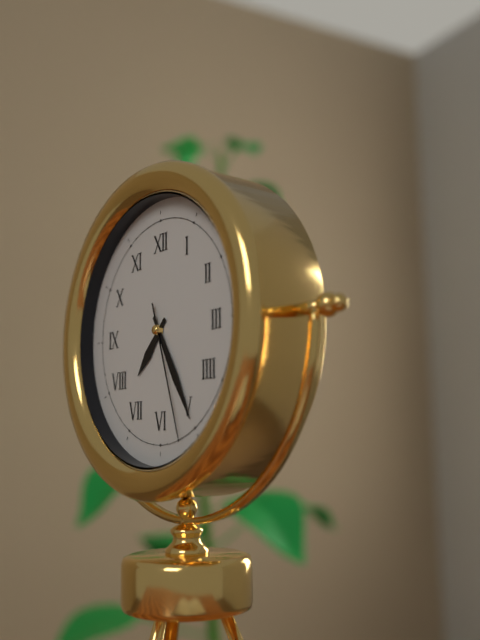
7:25:27
